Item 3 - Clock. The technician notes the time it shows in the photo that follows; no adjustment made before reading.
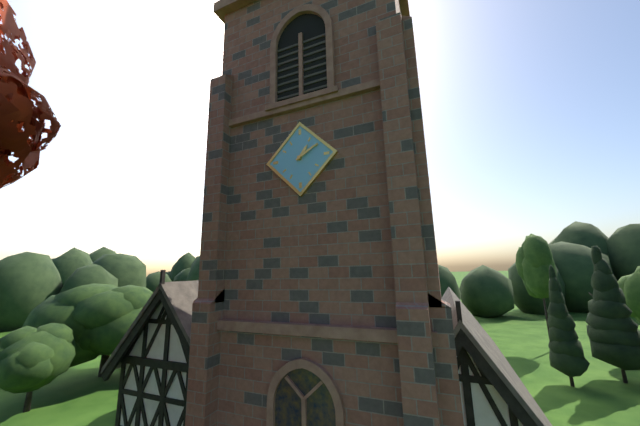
1:10
